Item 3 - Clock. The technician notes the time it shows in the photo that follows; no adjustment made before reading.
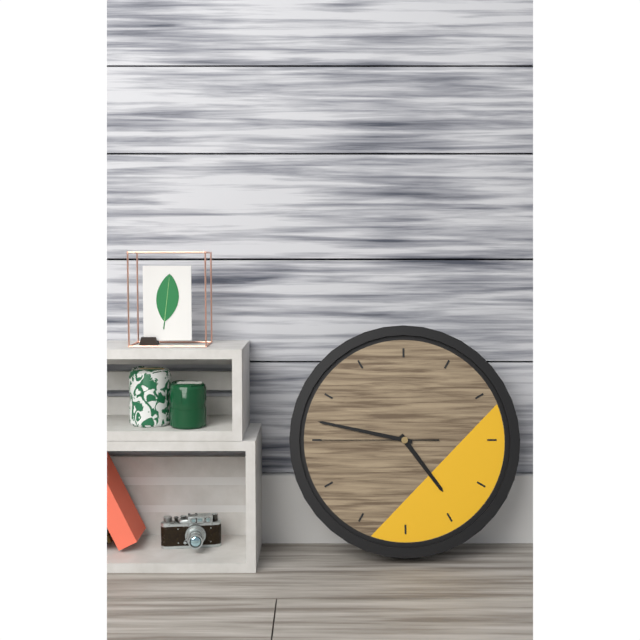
4:47:45
